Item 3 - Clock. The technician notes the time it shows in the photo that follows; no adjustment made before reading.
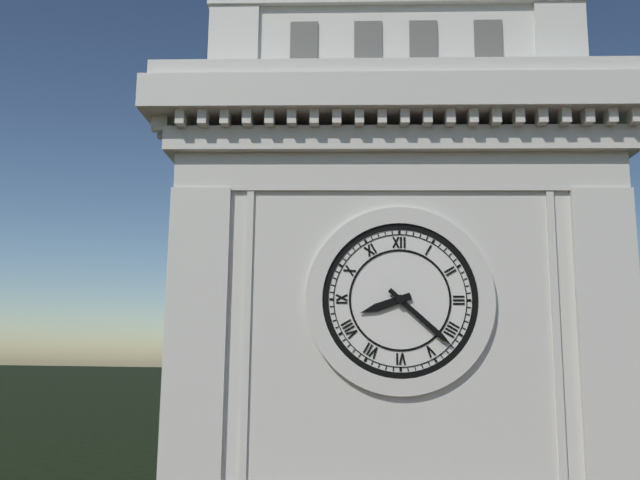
8:22
